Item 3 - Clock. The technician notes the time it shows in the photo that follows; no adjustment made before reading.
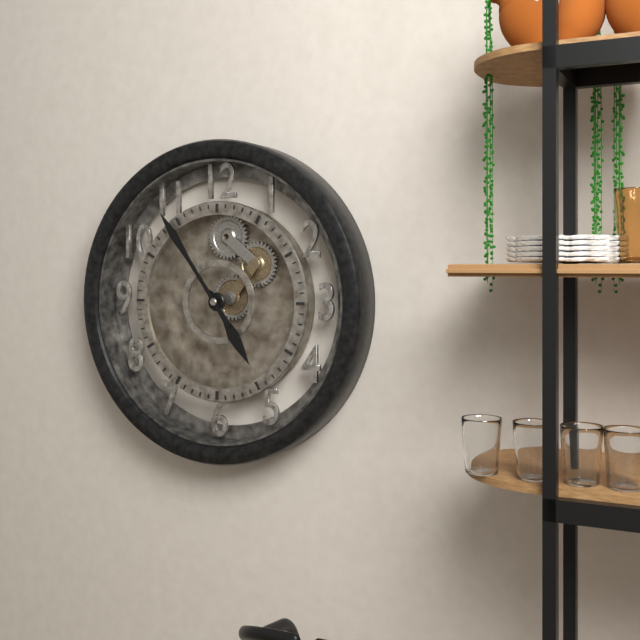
4:54
